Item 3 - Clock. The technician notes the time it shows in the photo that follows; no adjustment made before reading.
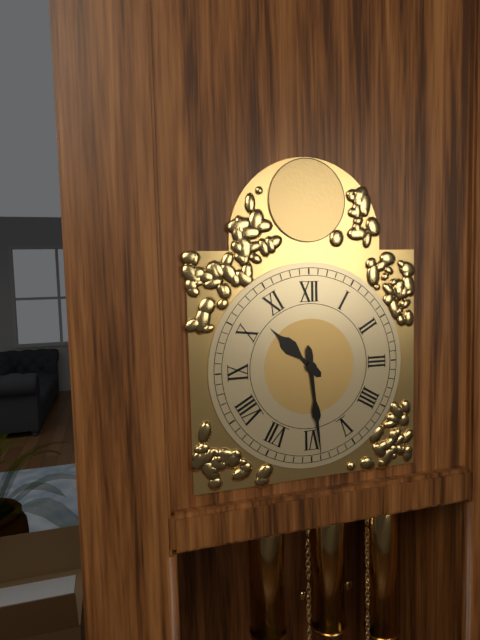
10:29
